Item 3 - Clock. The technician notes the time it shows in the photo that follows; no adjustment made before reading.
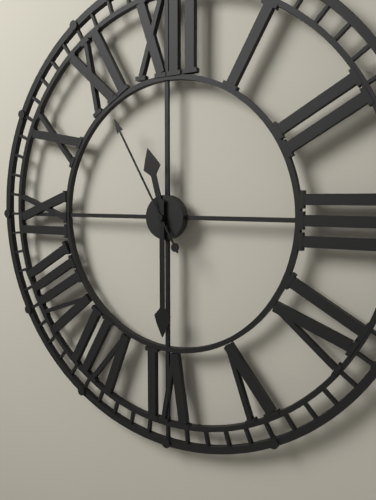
11:30:55
